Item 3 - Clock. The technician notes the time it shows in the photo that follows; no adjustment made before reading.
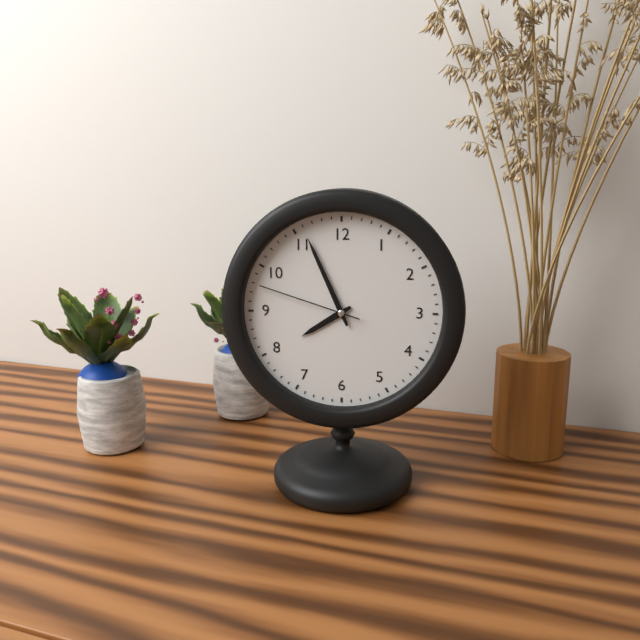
7:56:48
